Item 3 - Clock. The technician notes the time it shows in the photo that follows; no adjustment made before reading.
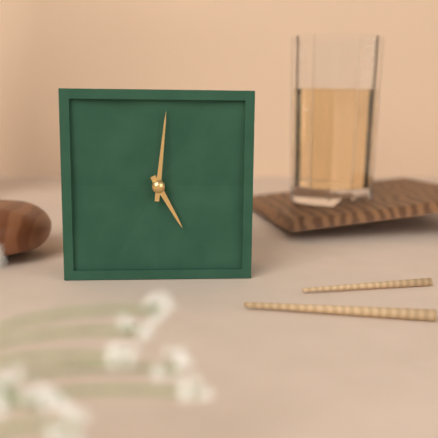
5:01
